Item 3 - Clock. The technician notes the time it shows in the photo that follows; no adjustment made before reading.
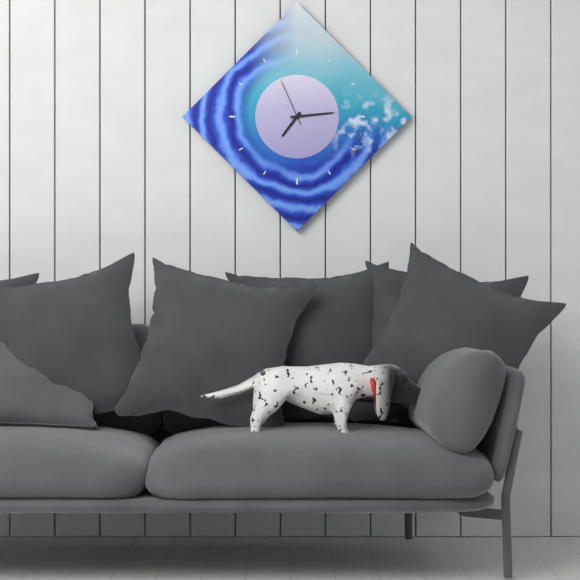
7:14:56
